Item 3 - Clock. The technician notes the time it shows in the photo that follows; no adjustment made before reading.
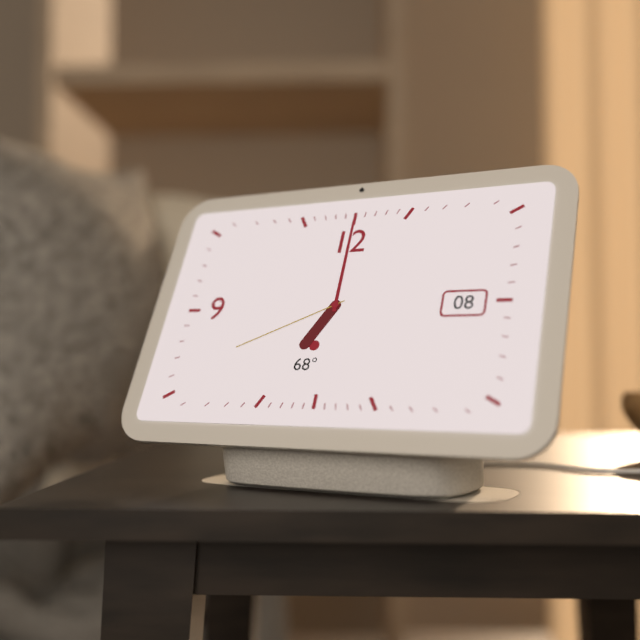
7:00:41
